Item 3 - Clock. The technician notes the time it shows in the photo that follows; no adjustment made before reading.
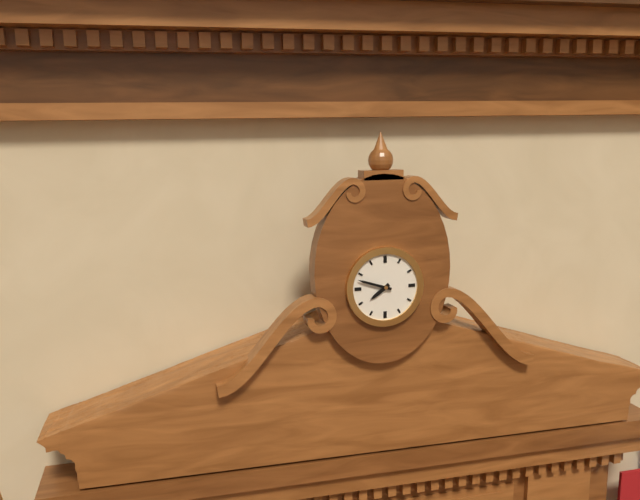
7:48
